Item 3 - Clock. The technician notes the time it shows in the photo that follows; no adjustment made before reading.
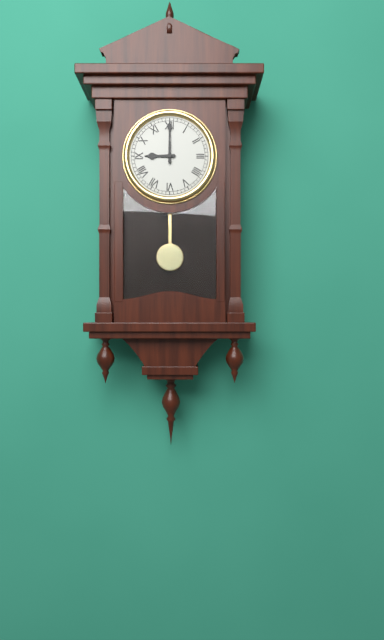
9:00
